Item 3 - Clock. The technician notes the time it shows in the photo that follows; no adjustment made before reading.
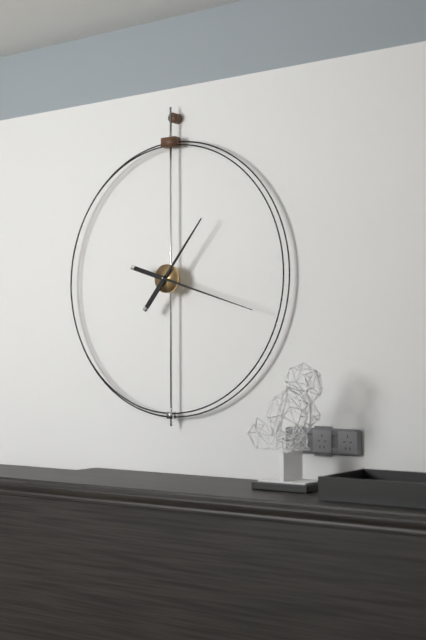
1:18
